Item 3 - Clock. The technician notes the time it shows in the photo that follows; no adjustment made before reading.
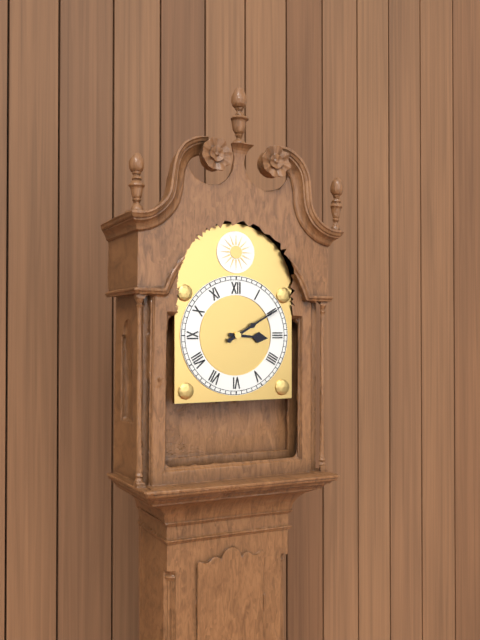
3:10
